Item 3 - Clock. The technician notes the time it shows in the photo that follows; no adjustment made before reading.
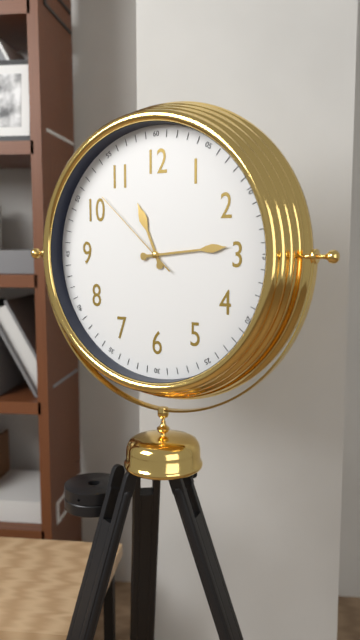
11:14:52
